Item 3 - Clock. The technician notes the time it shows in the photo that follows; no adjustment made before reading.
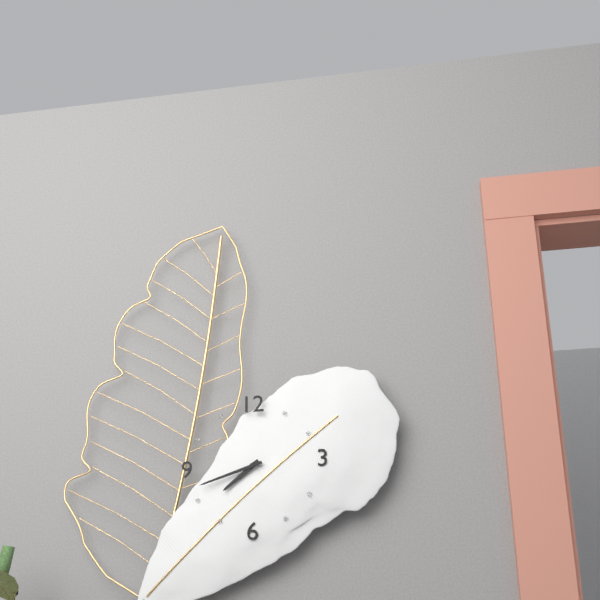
7:42
